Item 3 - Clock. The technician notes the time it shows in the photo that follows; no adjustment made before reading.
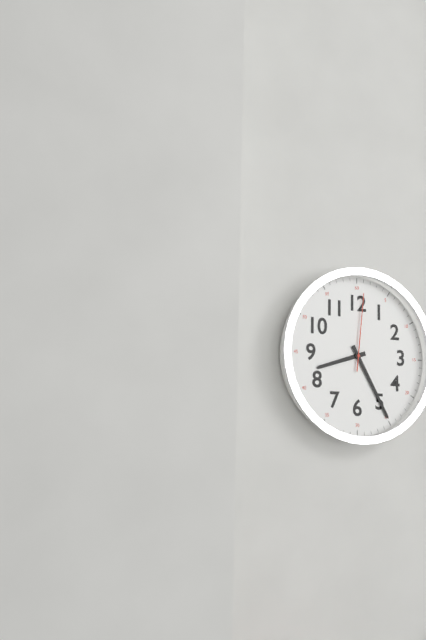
8:25:01
